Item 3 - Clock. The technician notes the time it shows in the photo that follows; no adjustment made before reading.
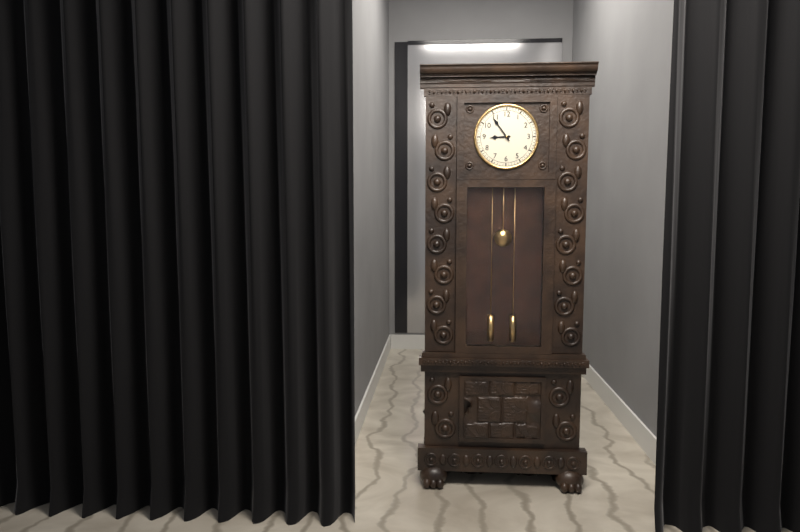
8:54
